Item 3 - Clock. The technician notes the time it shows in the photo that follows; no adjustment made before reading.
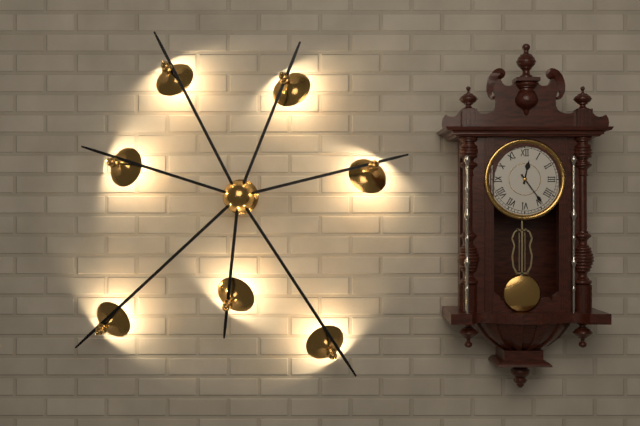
12:24
